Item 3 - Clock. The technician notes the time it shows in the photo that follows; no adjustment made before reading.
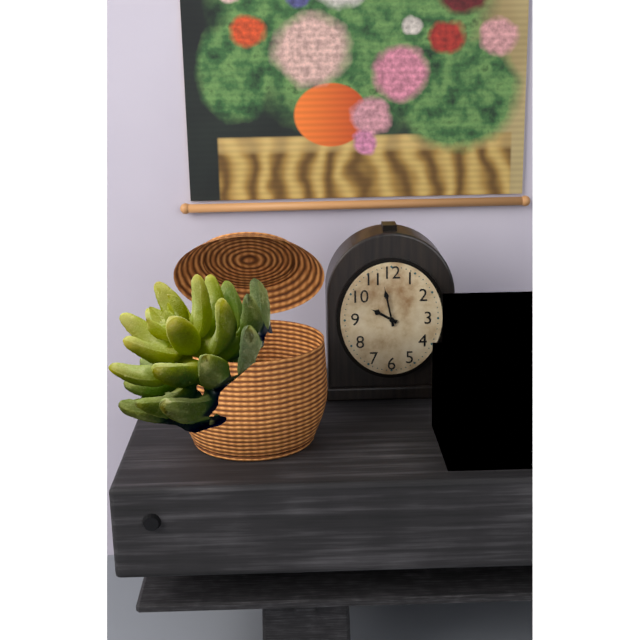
9:58
